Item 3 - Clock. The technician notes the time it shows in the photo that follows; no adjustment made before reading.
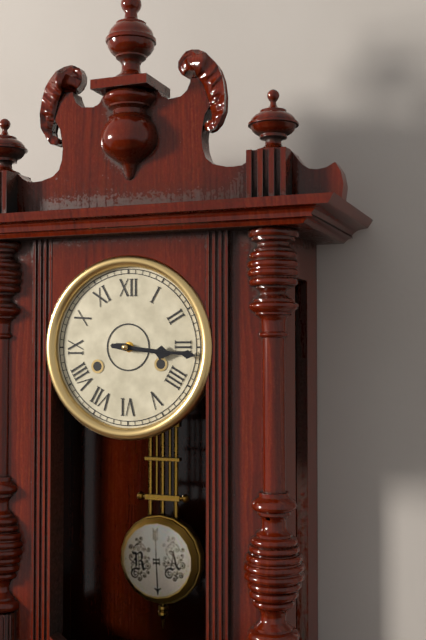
3:16
